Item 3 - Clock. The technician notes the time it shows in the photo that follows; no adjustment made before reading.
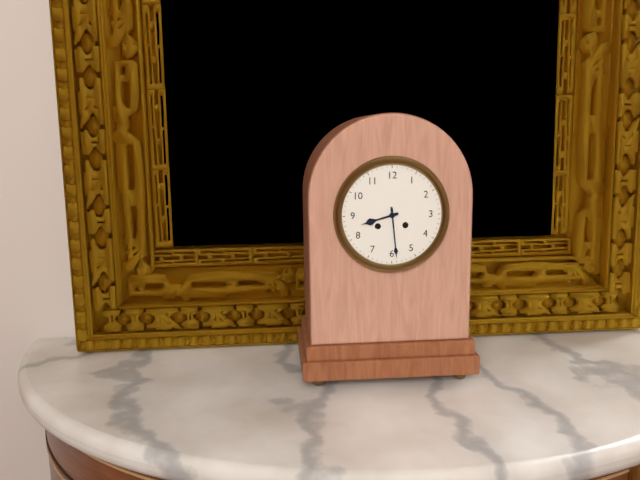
8:29
